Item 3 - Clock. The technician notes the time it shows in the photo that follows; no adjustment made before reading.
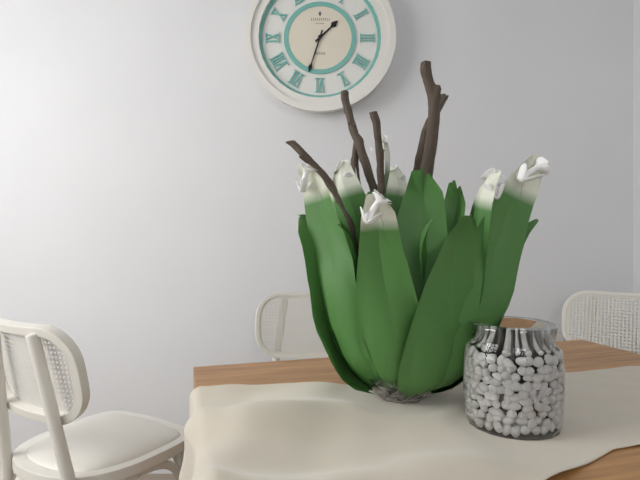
1:33
